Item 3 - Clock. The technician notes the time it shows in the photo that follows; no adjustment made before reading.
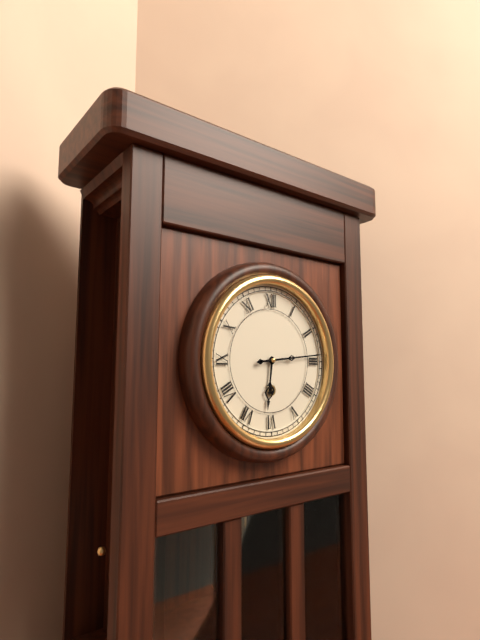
6:14
